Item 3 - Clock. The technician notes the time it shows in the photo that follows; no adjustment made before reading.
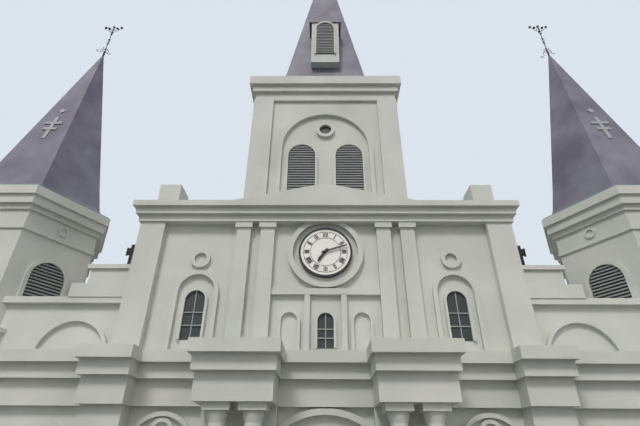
7:12
